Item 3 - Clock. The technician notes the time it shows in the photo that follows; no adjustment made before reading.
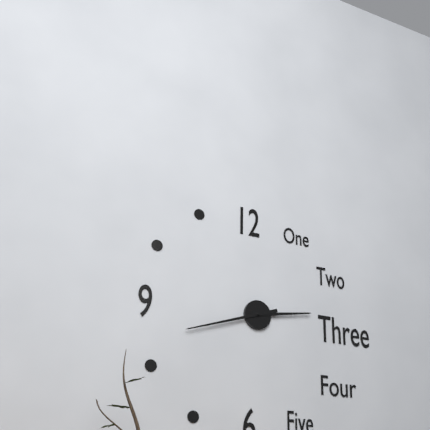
2:42
